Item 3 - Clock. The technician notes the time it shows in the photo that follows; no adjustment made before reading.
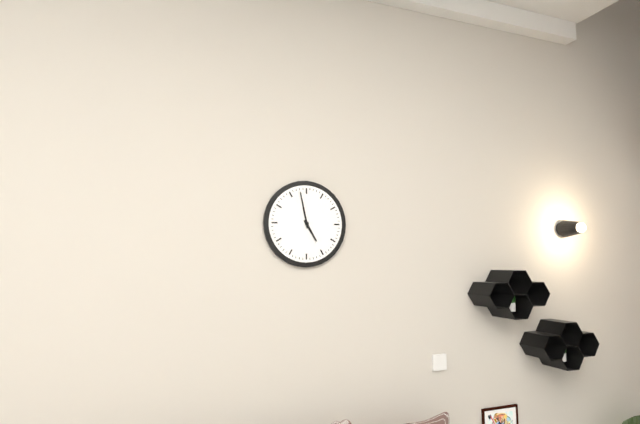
4:58
